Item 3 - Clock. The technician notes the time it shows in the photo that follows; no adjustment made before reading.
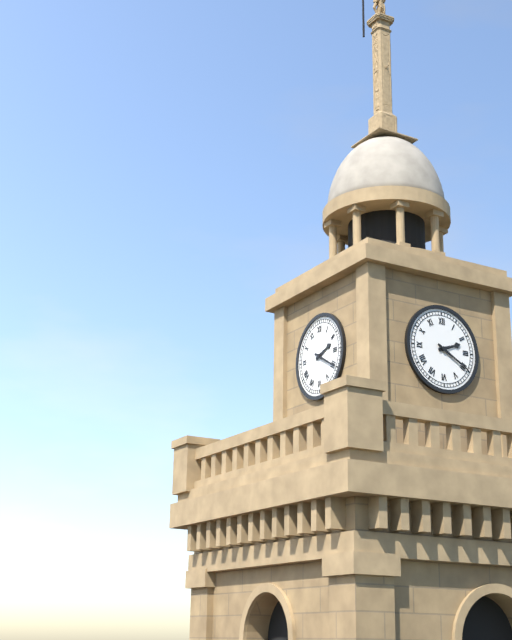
2:20
